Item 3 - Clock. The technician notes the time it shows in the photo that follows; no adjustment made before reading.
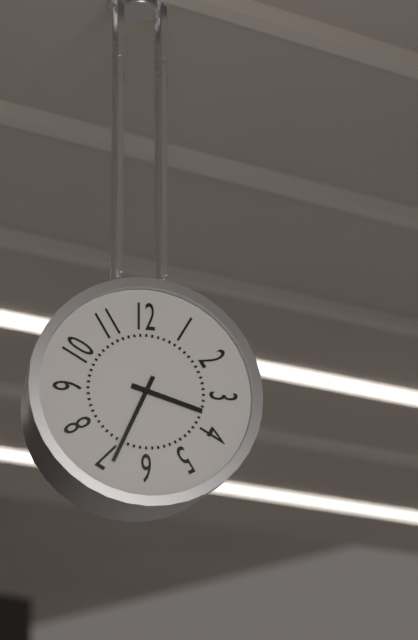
3:34
